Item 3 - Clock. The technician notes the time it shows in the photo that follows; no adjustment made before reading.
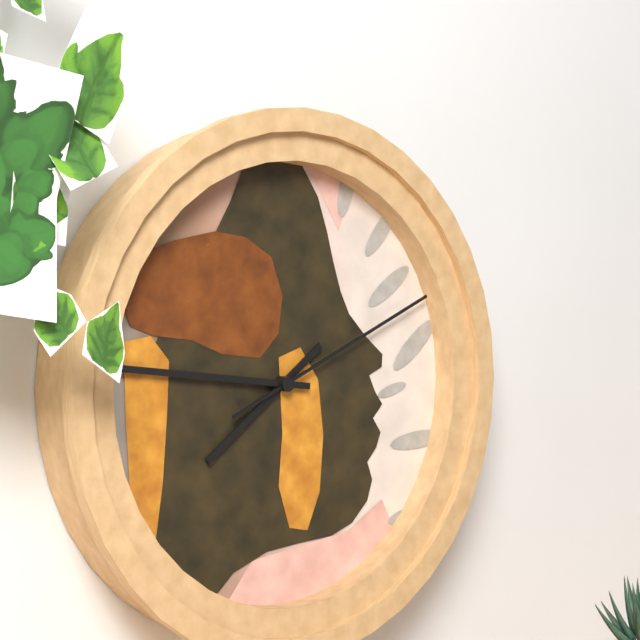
7:46:11
